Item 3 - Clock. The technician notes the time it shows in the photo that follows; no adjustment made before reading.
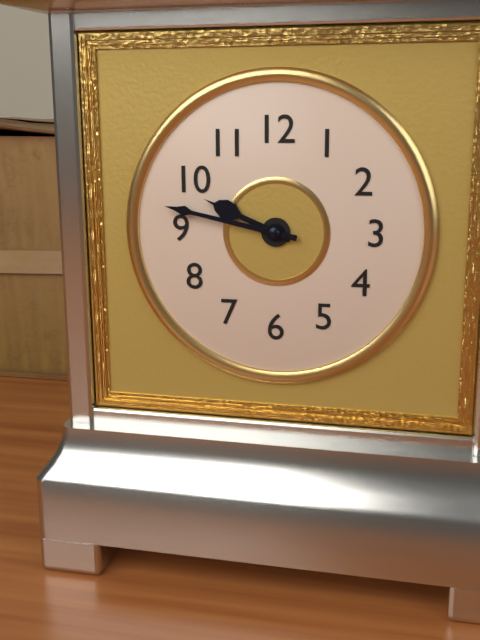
9:47
